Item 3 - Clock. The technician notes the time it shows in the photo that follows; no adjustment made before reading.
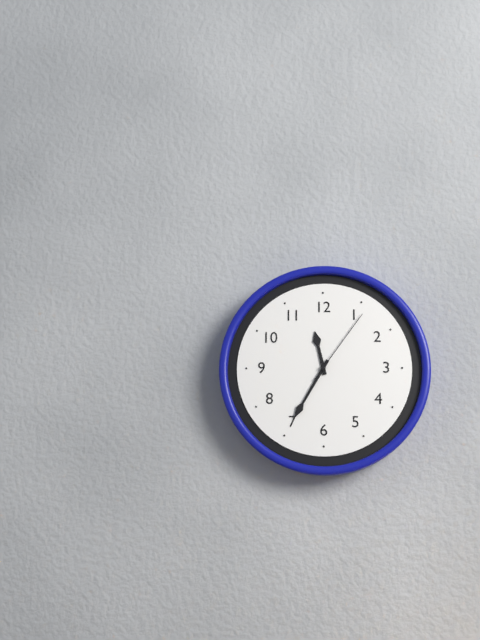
11:35:06
